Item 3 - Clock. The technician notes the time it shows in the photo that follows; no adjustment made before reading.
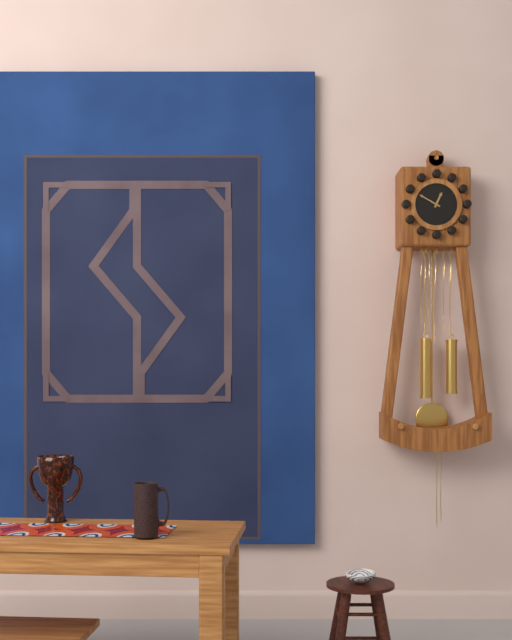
12:50
